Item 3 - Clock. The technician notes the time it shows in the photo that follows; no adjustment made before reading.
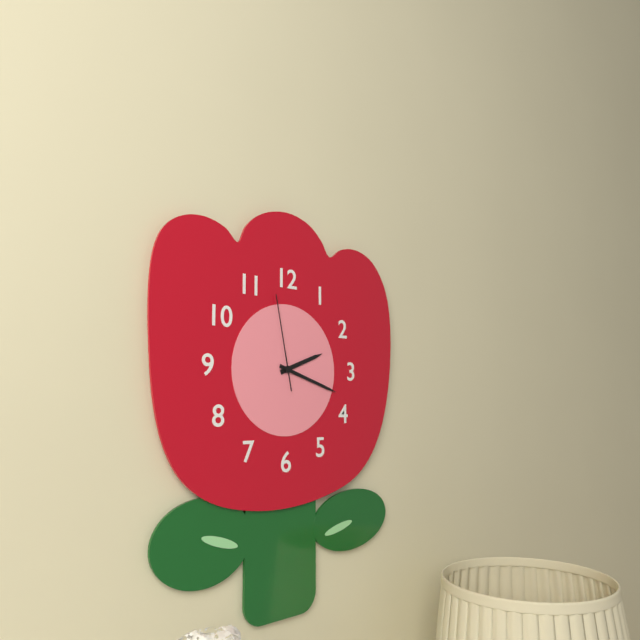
2:18:58
